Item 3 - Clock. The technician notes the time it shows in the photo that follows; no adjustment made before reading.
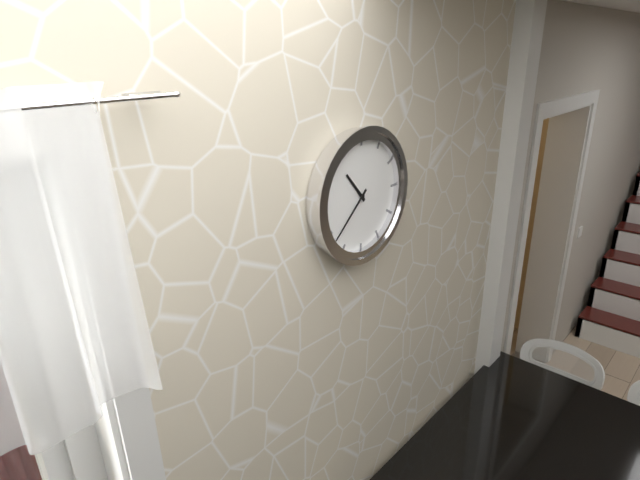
10:38
